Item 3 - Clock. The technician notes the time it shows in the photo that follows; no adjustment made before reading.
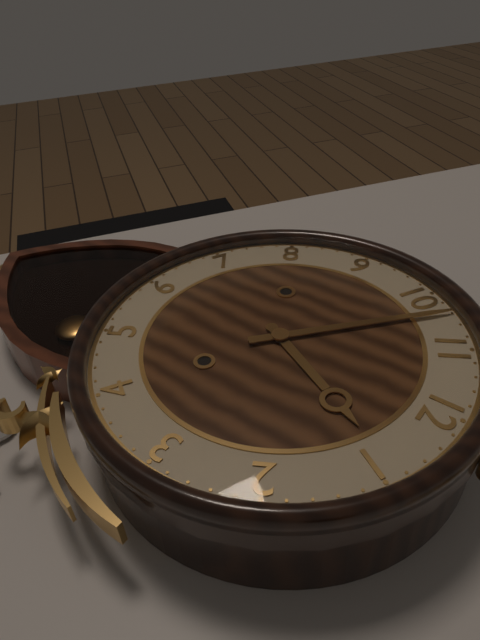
12:52
